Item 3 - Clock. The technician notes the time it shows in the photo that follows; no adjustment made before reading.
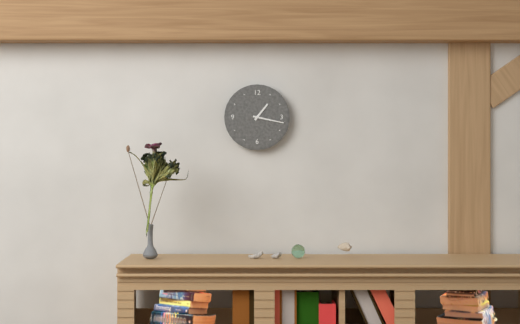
1:17
